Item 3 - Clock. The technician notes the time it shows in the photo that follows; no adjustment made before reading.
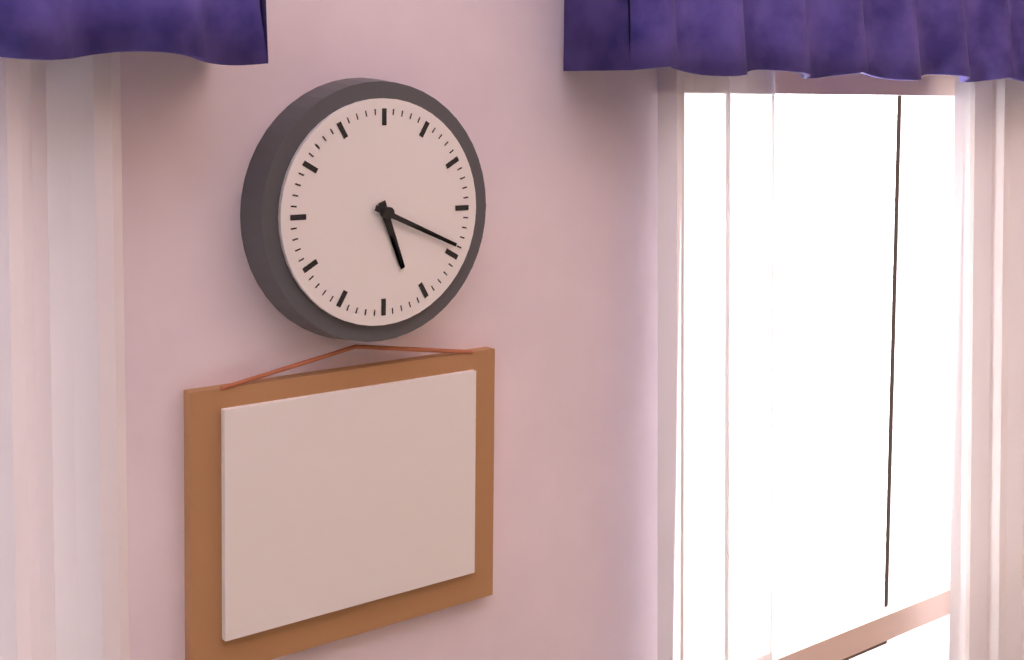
5:19
